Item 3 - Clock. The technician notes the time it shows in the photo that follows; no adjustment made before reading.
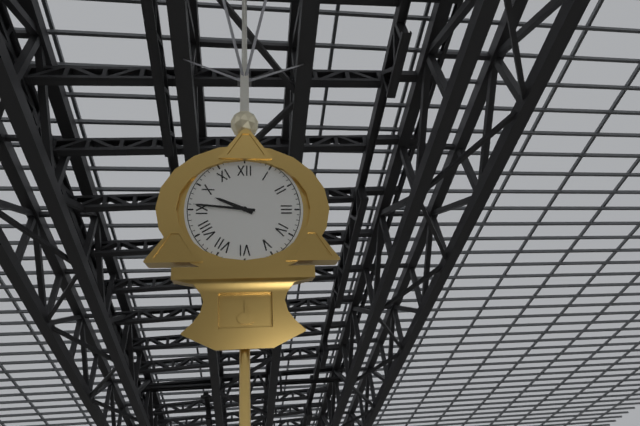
9:46
